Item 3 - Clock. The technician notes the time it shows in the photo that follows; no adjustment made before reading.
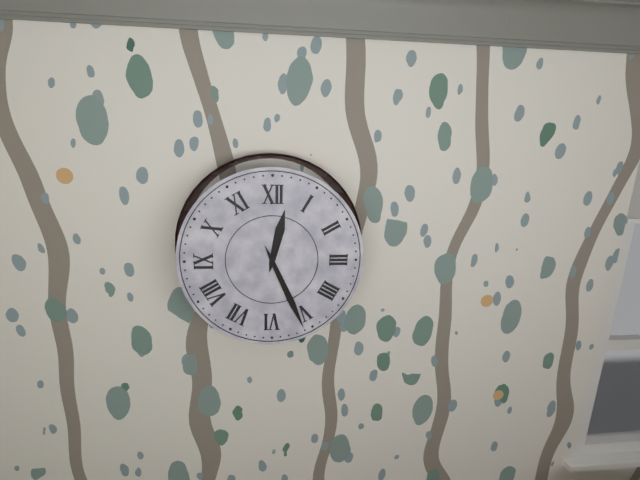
12:26
